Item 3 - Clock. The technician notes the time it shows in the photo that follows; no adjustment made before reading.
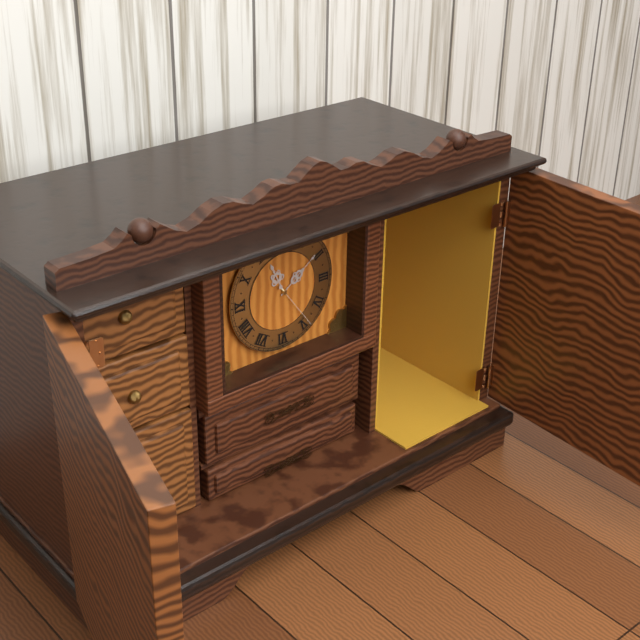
11:09:24
